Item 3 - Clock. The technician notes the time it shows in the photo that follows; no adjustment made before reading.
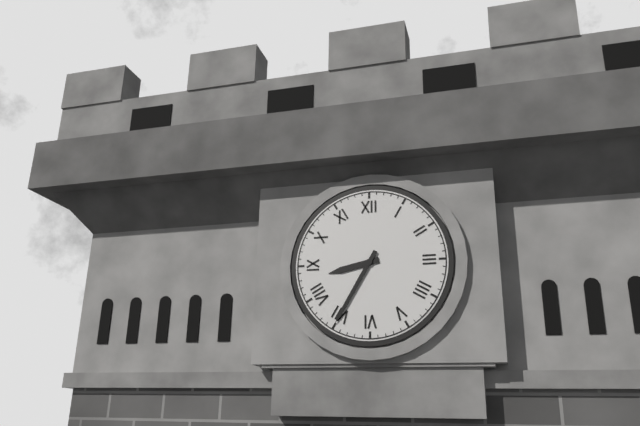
8:35
